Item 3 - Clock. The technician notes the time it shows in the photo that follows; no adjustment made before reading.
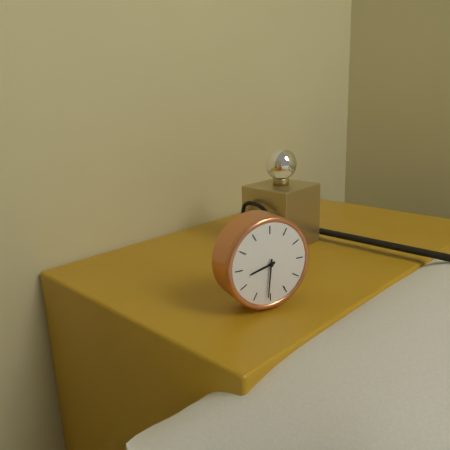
8:31
